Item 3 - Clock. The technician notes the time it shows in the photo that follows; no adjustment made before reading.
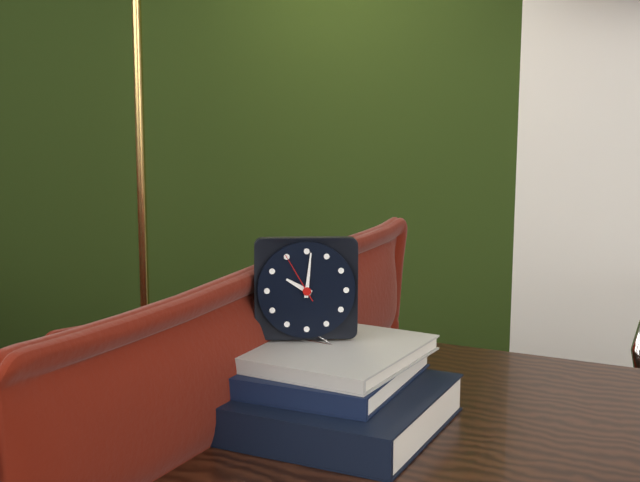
10:01:55
